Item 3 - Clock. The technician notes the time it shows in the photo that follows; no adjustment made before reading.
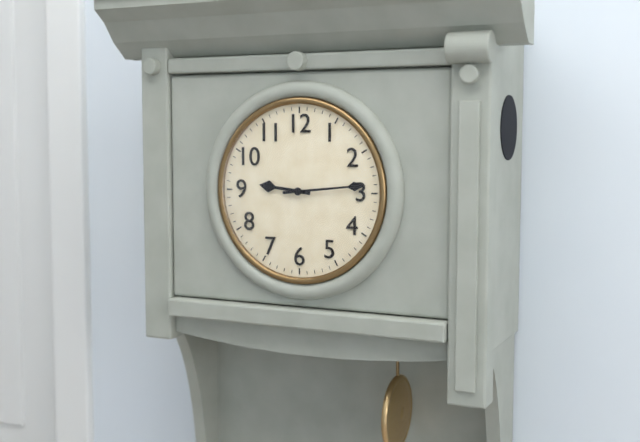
9:14
